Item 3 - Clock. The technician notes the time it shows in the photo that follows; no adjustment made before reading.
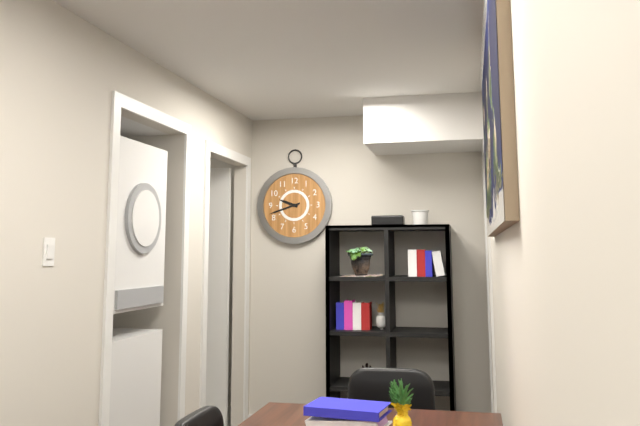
9:42
